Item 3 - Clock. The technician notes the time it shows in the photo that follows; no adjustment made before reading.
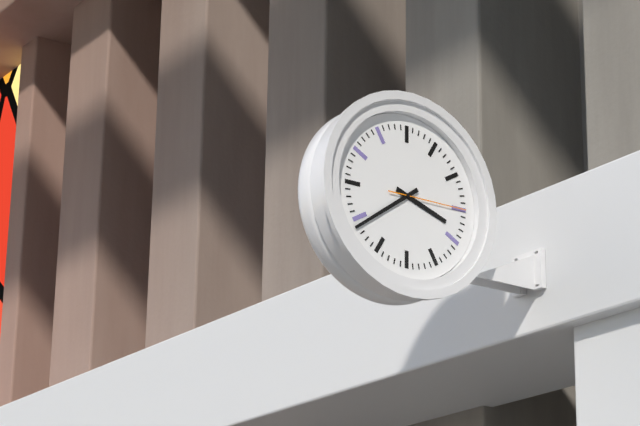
3:39:15
